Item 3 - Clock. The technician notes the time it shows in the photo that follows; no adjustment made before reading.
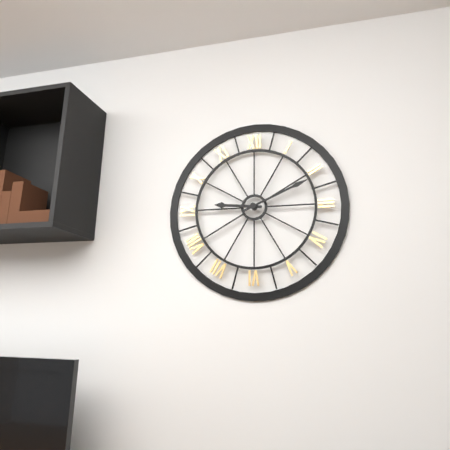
9:11
